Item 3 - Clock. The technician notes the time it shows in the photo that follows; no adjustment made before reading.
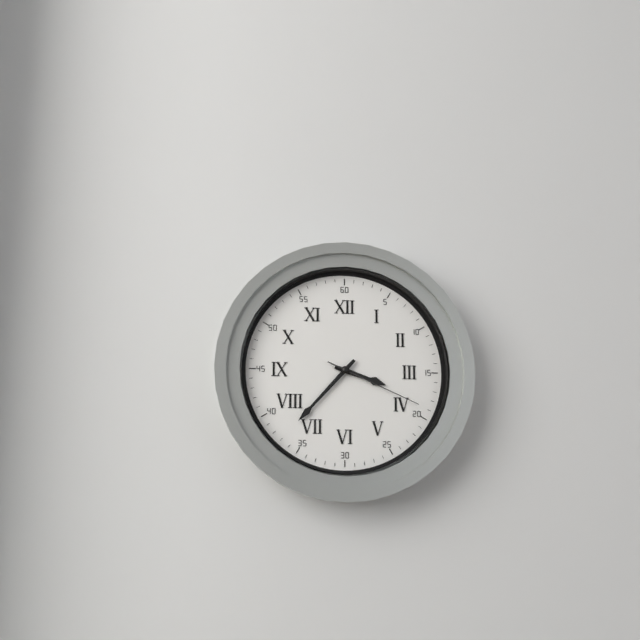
3:37:19
